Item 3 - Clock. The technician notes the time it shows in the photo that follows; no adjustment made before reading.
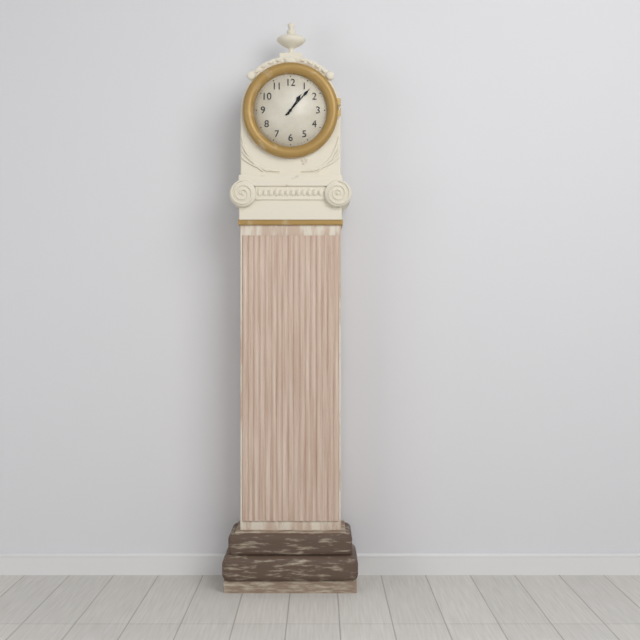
1:07
